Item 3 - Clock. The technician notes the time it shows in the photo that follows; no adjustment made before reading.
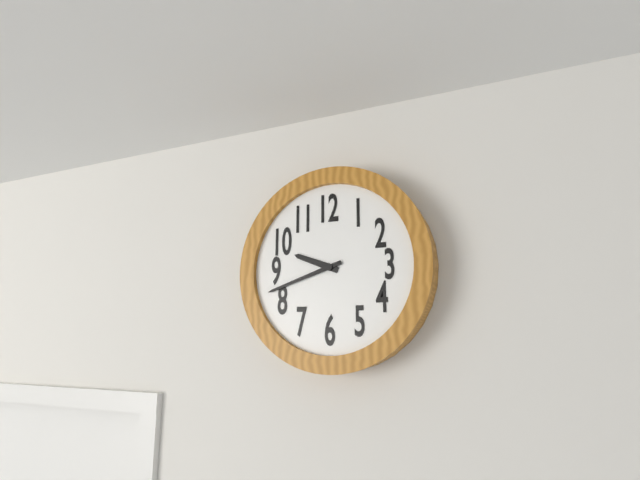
9:42
